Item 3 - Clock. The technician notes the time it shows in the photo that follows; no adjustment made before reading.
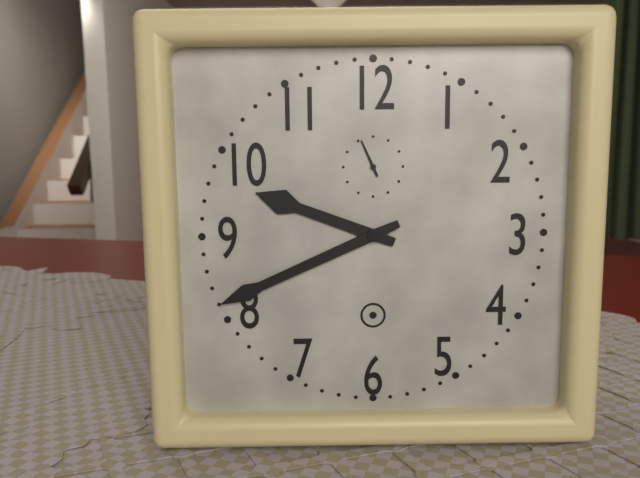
9:41
